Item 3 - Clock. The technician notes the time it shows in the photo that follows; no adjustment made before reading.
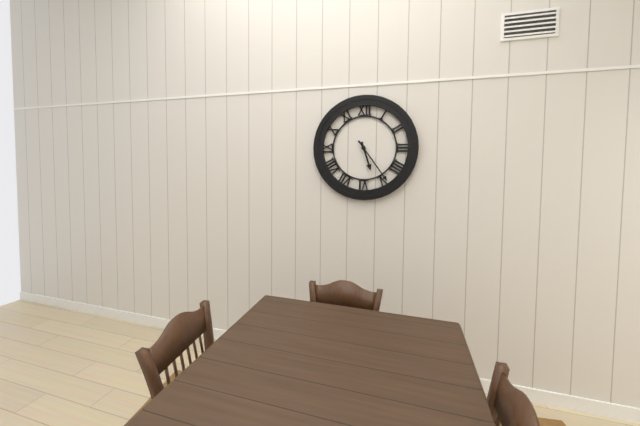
5:24
